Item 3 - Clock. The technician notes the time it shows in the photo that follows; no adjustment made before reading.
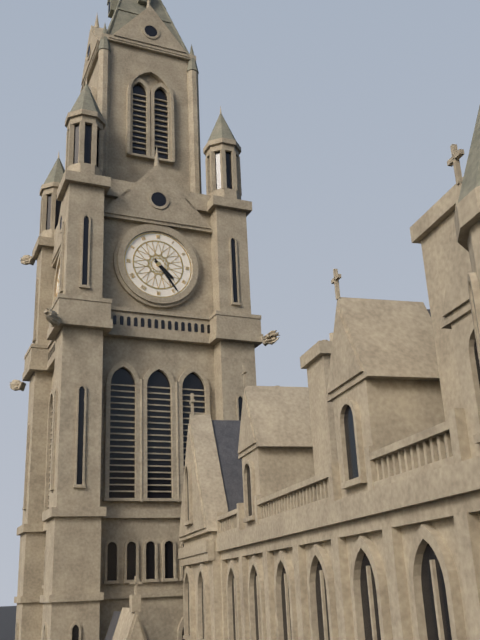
4:24
